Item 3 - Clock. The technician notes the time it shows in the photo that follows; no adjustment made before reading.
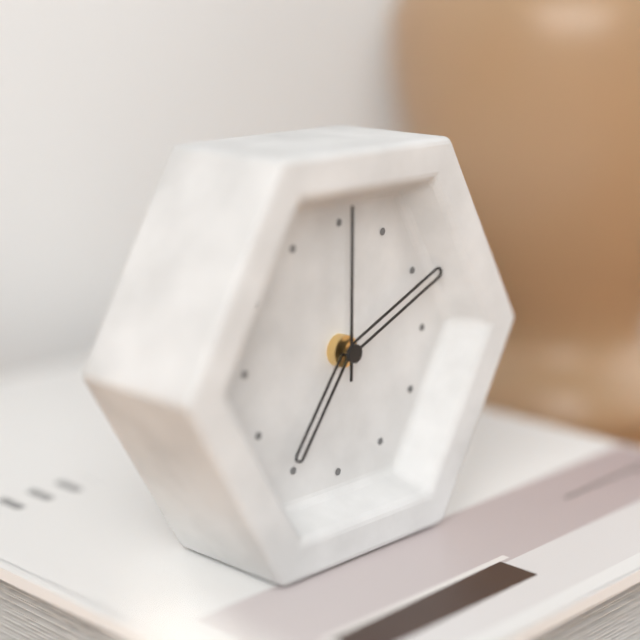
7:11:00
